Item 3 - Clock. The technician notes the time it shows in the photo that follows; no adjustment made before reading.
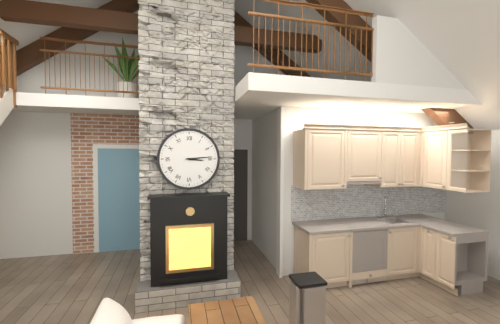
3:14
